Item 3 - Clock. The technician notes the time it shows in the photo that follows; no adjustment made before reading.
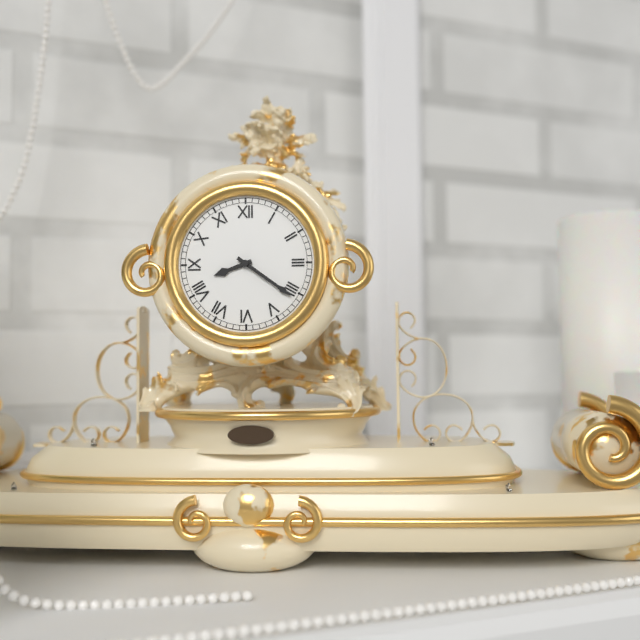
8:21
